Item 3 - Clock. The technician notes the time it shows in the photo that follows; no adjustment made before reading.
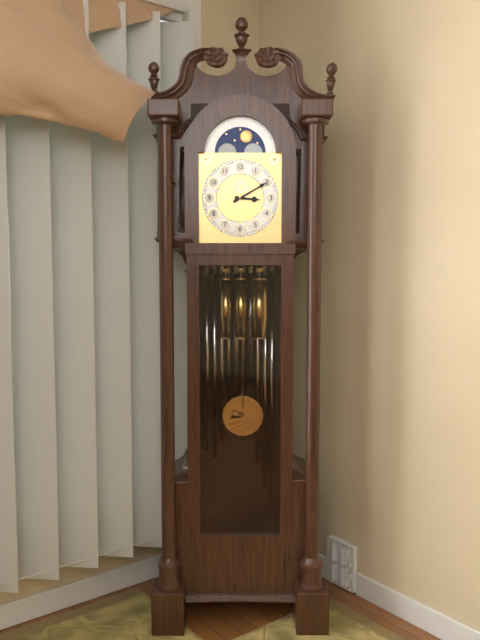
3:10
